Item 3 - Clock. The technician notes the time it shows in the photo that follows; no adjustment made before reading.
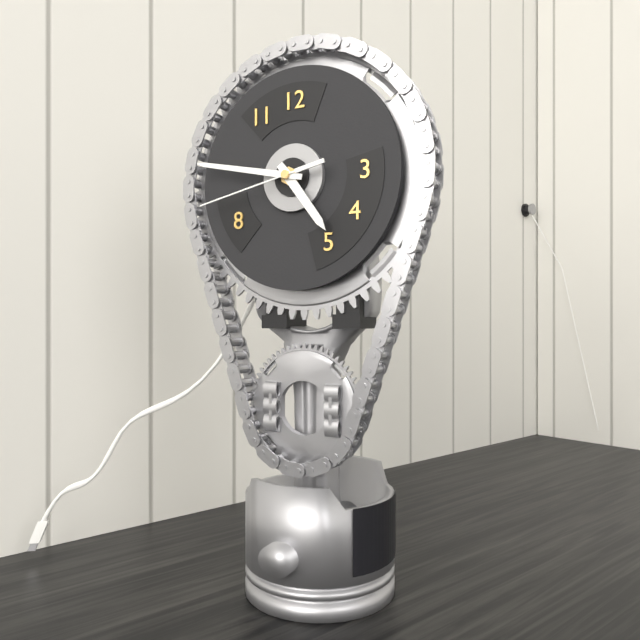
4:47:43
